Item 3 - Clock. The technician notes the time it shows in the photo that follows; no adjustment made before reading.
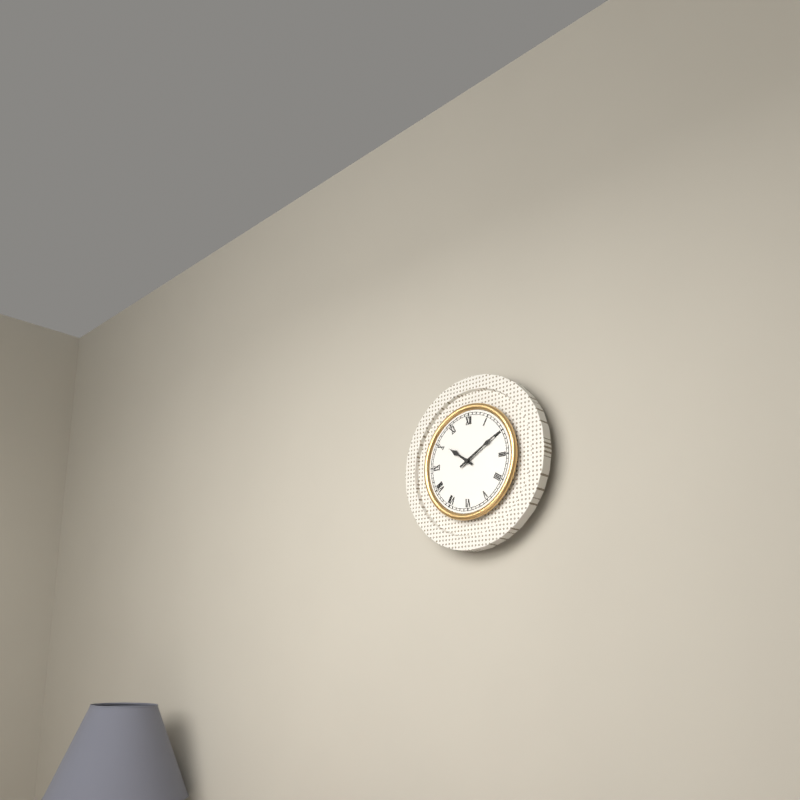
10:10
